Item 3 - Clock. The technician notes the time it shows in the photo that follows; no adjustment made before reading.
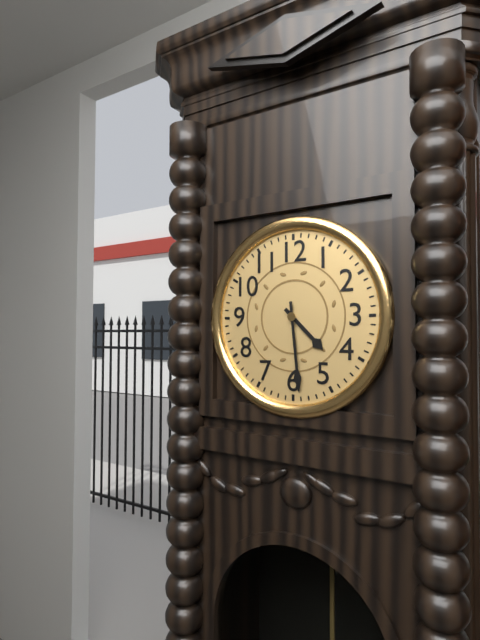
4:29
